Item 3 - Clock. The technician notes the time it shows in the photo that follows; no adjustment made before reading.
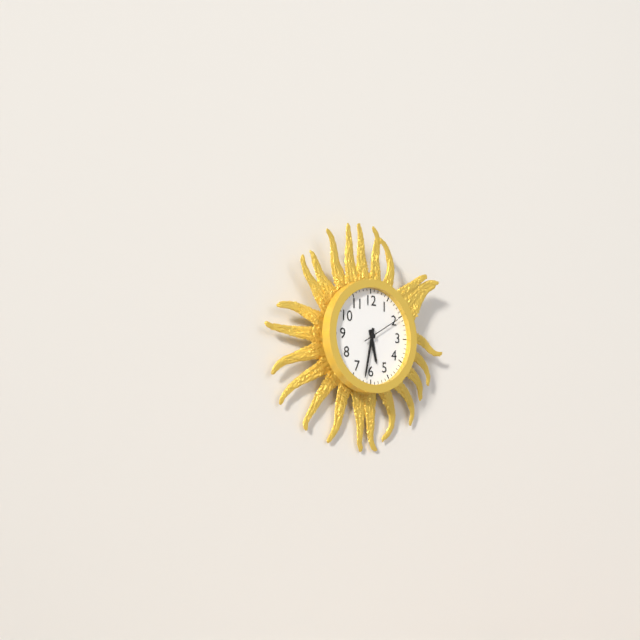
5:32
